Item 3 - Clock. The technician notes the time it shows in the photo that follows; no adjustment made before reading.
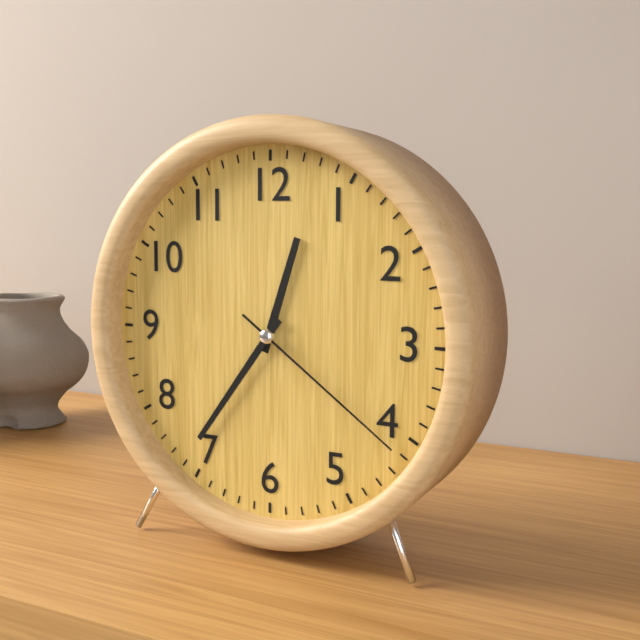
12:36:21
